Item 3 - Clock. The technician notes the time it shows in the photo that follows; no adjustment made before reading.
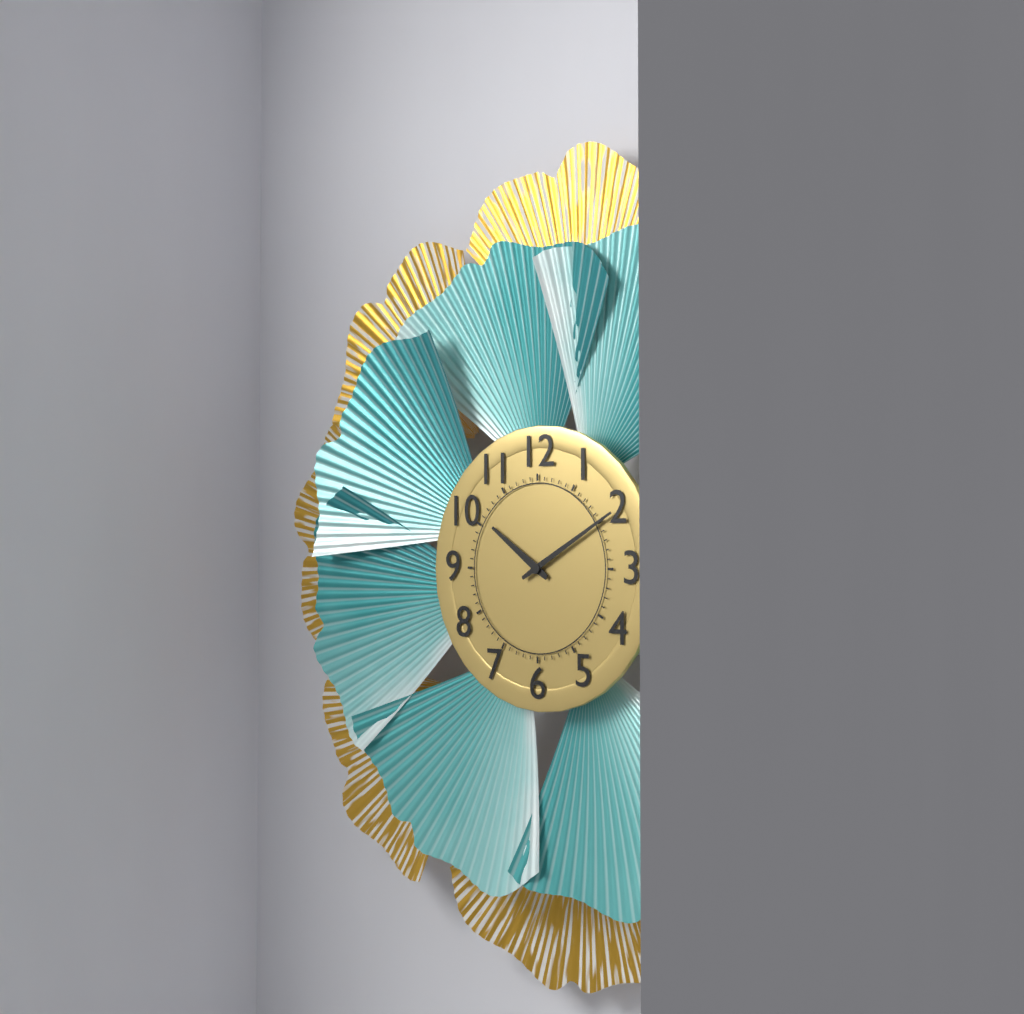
10:10
